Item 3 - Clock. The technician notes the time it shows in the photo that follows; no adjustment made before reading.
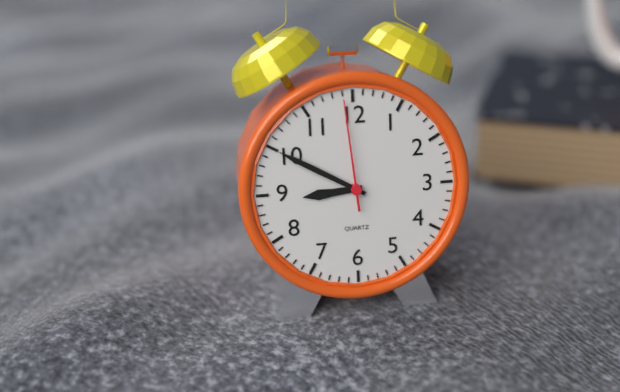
8:50:59
